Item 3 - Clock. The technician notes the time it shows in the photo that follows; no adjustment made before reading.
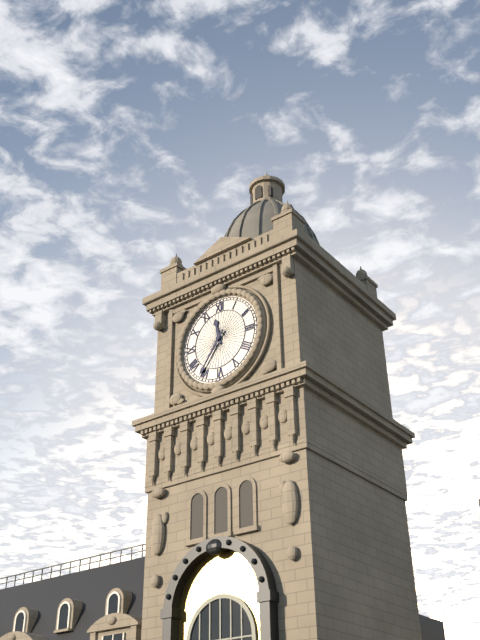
11:36
